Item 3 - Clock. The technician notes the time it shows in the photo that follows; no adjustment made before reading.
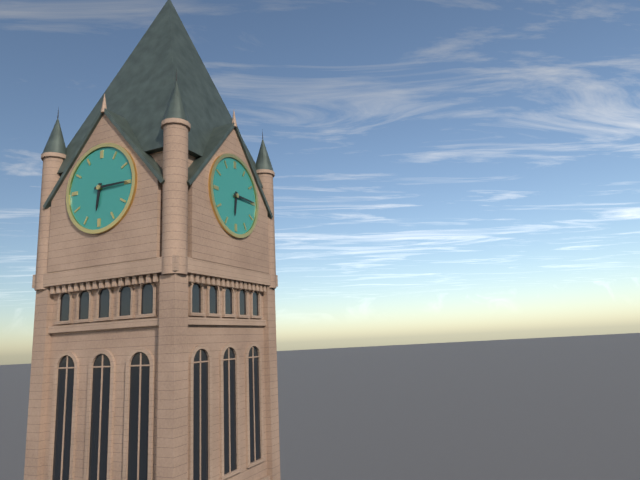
6:15
